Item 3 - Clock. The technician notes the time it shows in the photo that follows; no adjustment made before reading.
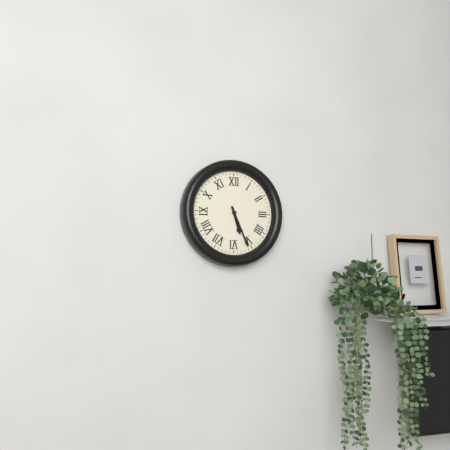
5:26
